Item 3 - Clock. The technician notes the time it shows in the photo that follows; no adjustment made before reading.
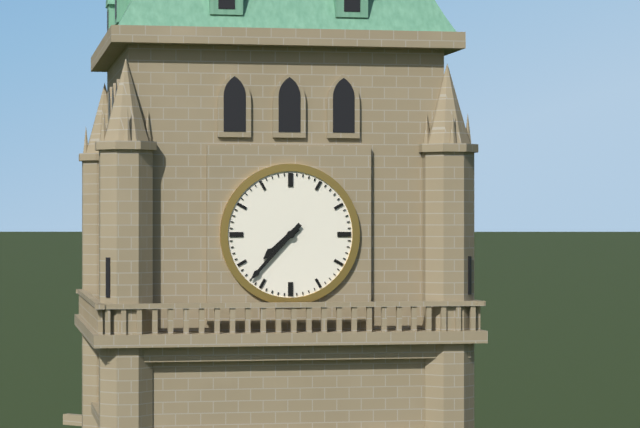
7:37
